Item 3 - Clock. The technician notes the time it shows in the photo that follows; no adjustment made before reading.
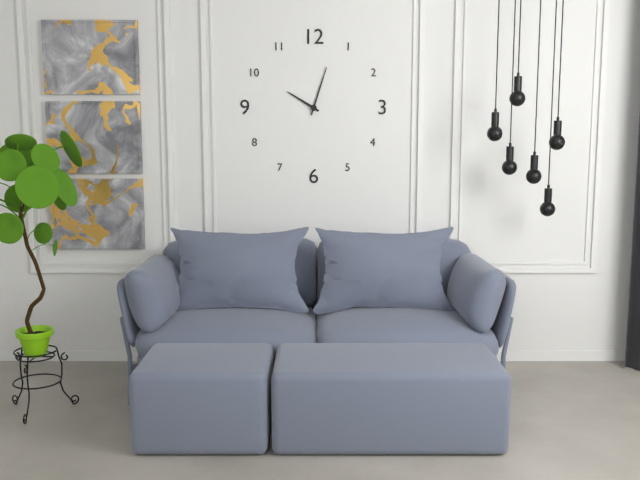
10:03
